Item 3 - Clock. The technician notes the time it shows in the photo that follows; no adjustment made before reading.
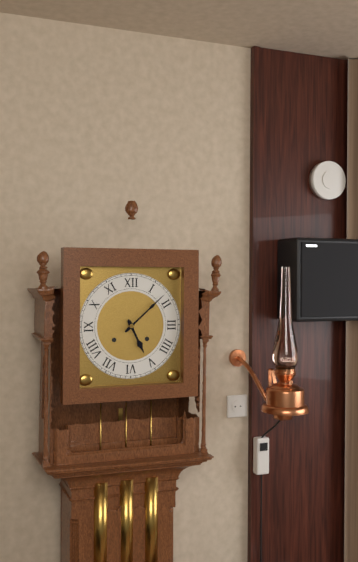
5:08
